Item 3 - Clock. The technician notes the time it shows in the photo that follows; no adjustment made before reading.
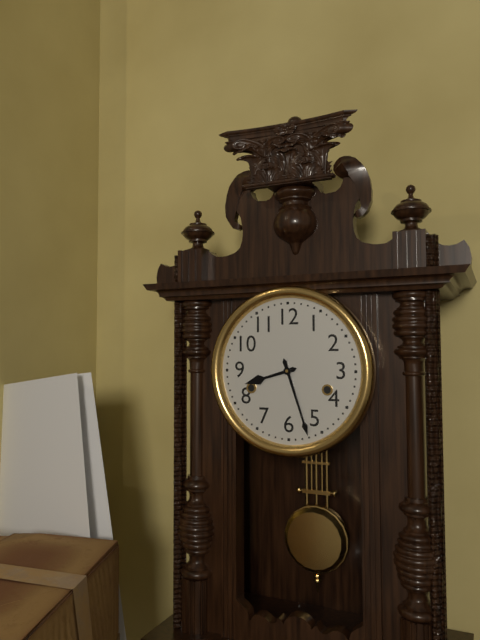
8:27
